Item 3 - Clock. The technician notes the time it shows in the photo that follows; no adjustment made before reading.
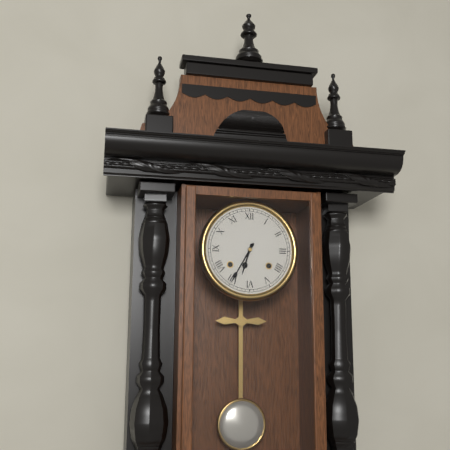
6:35
